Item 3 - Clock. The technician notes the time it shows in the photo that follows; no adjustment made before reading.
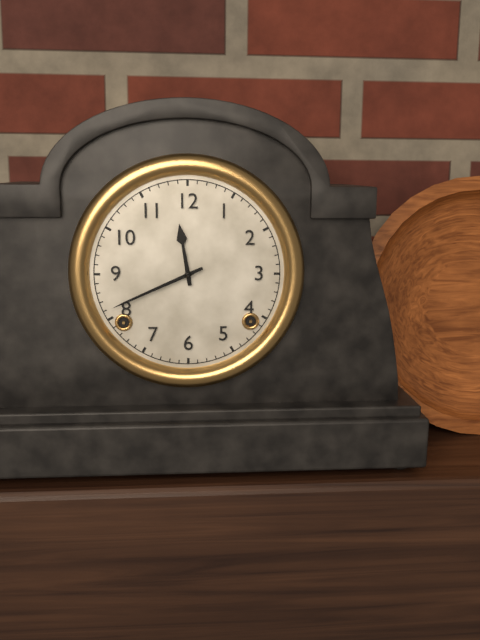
11:41
